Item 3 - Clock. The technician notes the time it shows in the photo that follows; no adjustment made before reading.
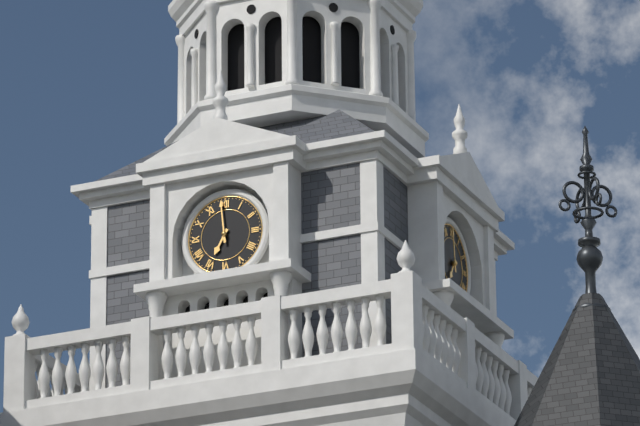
6:59
